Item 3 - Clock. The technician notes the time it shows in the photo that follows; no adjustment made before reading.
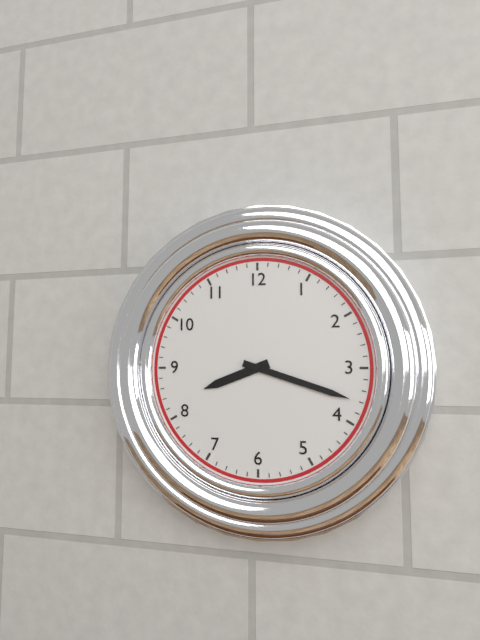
8:18
